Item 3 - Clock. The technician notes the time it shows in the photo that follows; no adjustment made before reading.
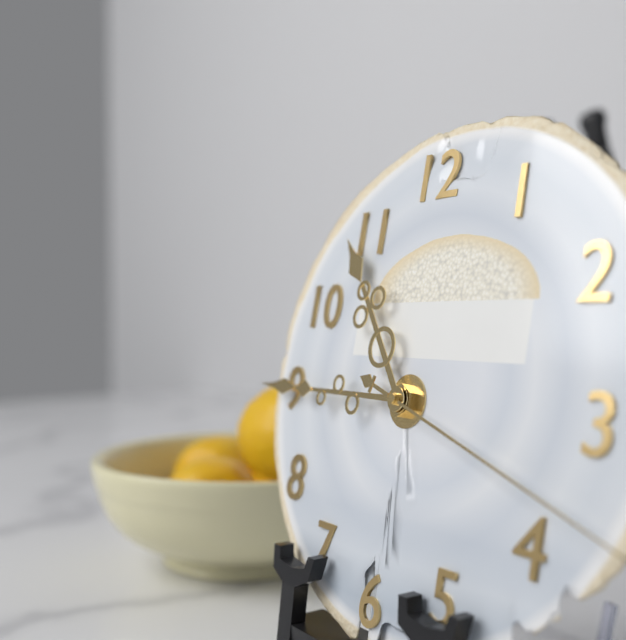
10:45
